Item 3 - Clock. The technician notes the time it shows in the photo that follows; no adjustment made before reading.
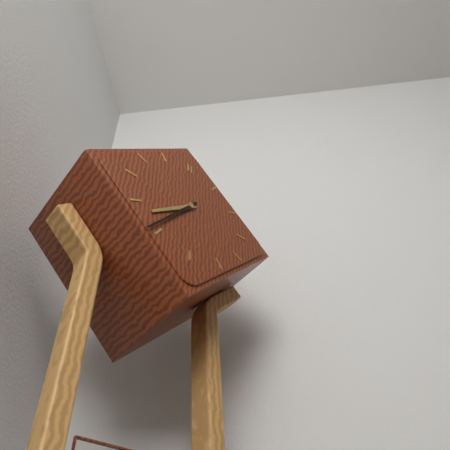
7:36
